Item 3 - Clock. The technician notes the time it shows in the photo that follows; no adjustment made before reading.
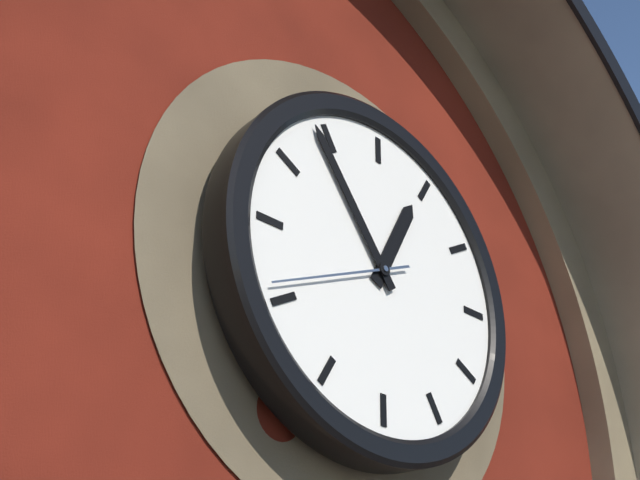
12:54:41
